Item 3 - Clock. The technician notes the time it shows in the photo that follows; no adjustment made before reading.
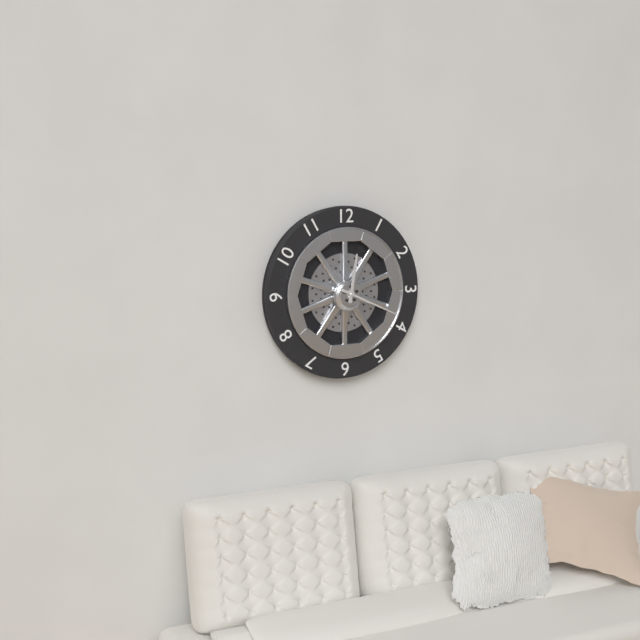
12:19
